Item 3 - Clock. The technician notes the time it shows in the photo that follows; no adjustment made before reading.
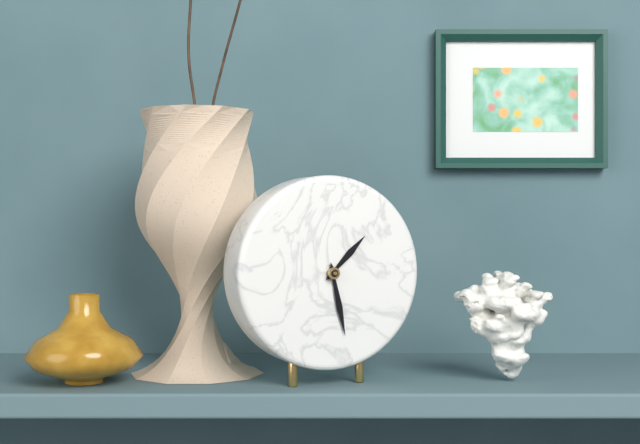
1:28
